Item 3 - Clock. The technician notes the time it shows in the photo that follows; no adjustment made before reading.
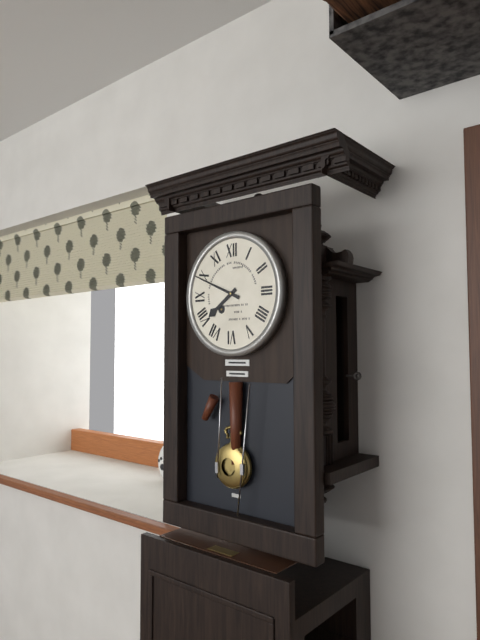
7:49
